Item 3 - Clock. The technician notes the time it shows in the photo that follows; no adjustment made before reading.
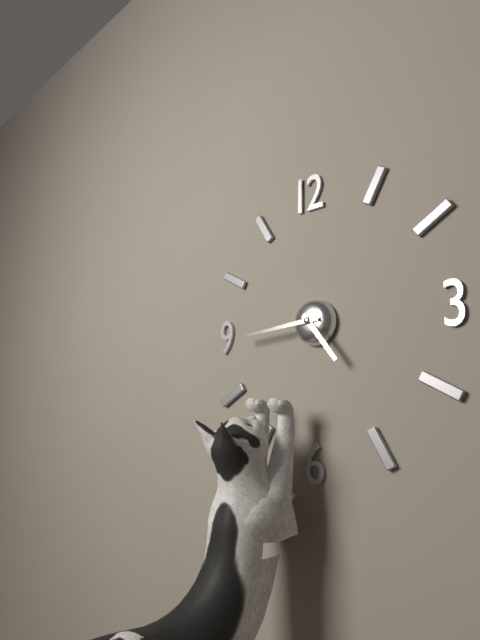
4:44
